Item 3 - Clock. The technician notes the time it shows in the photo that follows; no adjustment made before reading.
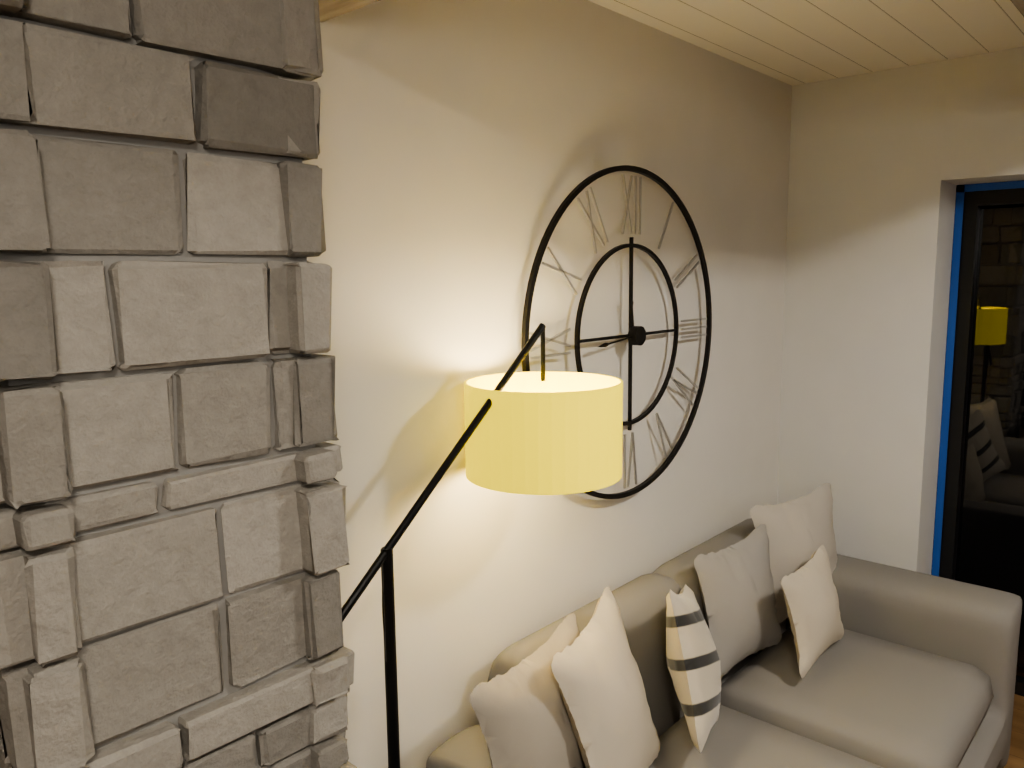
11:44
